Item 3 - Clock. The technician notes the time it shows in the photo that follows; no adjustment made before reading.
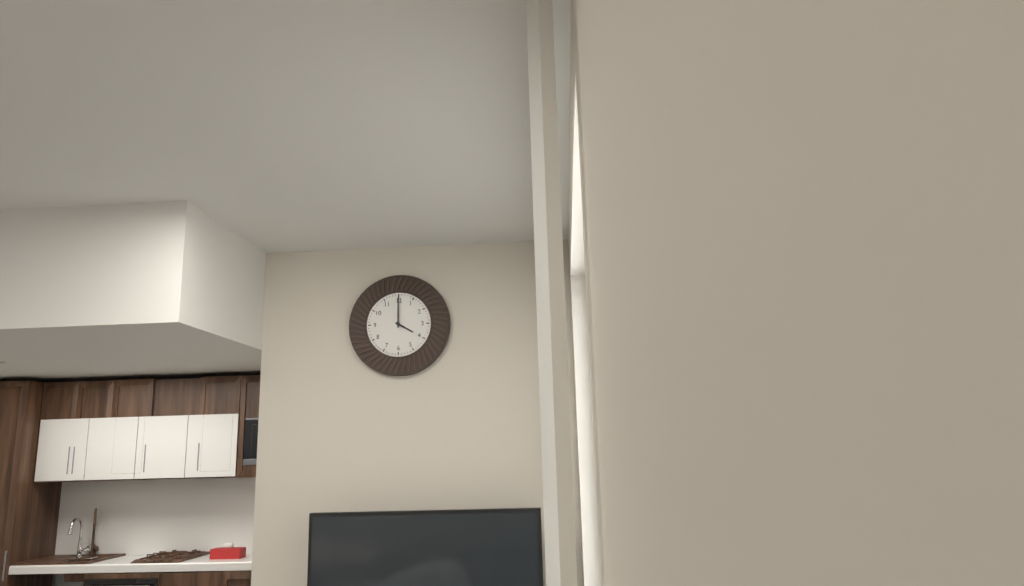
4:00
